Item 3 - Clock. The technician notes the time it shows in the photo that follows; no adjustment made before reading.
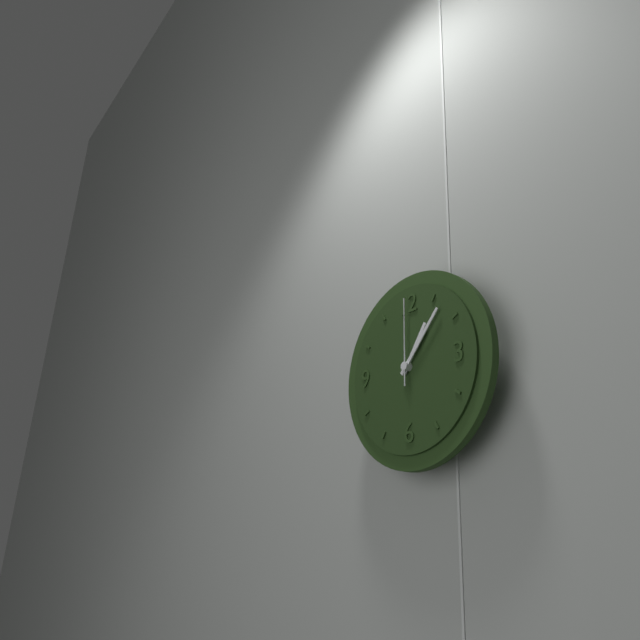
1:07:00
